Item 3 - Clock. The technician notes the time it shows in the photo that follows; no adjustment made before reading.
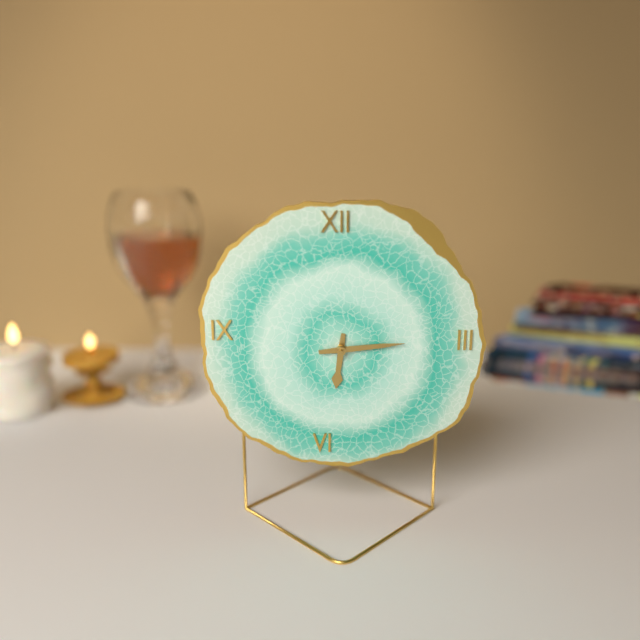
6:14
